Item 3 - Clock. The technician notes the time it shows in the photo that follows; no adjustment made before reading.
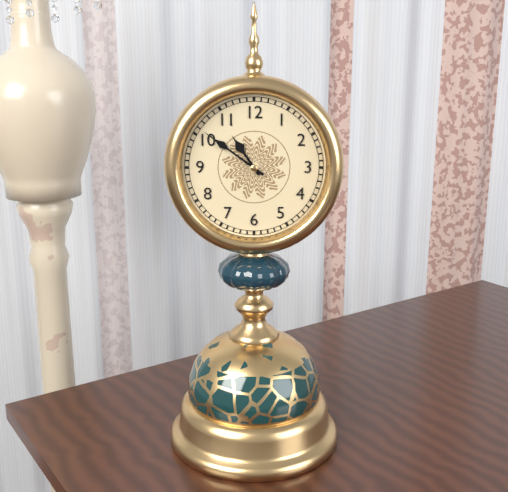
10:51
